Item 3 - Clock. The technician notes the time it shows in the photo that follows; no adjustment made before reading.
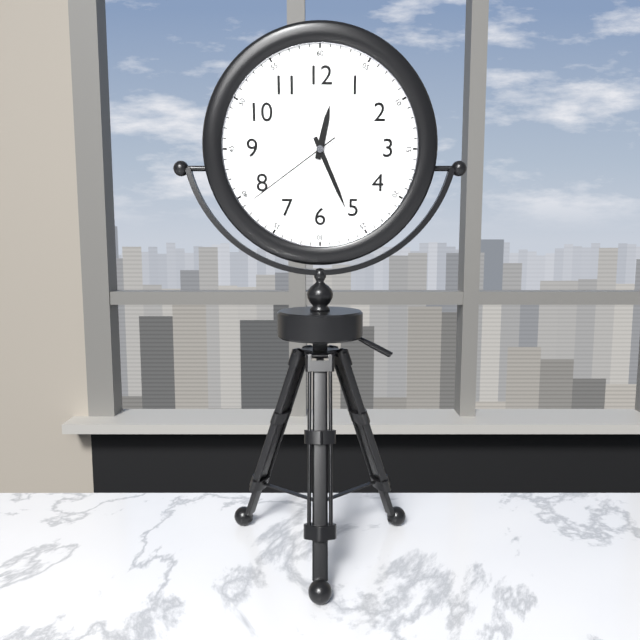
12:26:39
